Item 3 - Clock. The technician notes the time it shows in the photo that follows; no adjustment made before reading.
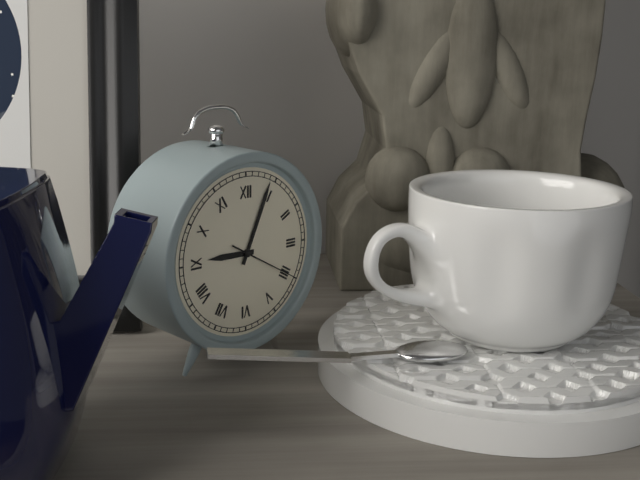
9:04:20
